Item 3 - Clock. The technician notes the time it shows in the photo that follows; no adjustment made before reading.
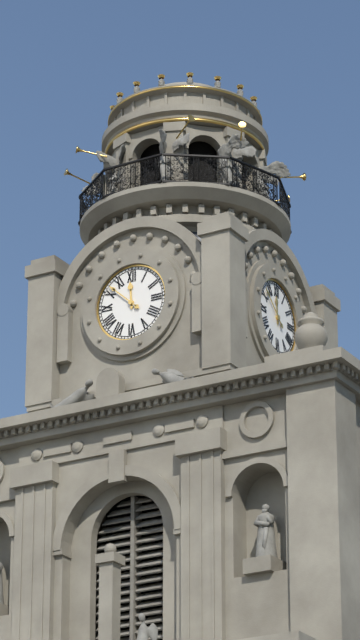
11:52
